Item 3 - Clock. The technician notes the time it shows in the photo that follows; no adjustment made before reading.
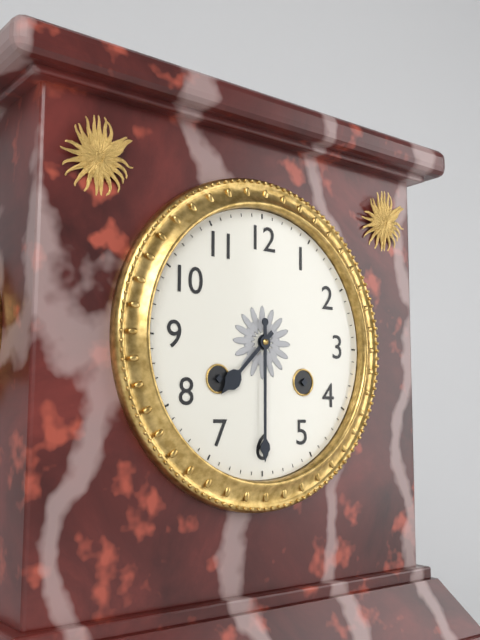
7:30
